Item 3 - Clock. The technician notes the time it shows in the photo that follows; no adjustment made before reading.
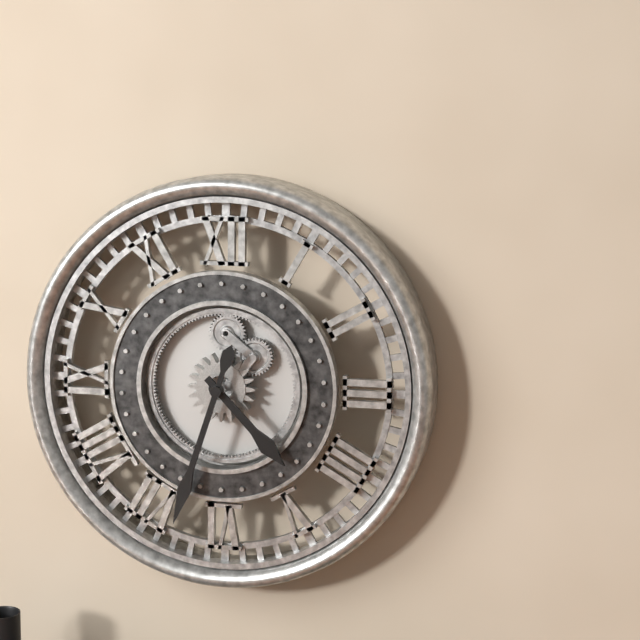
4:33
